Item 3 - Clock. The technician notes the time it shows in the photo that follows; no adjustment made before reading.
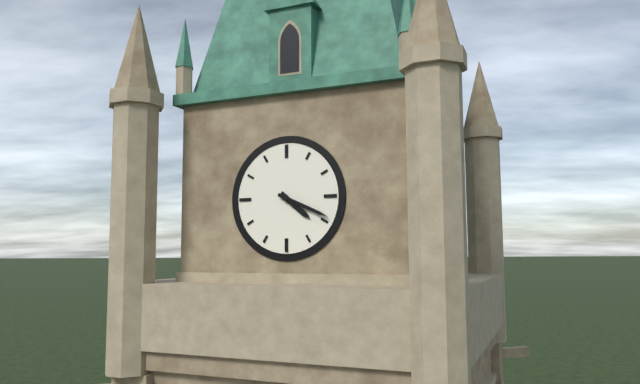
4:19
